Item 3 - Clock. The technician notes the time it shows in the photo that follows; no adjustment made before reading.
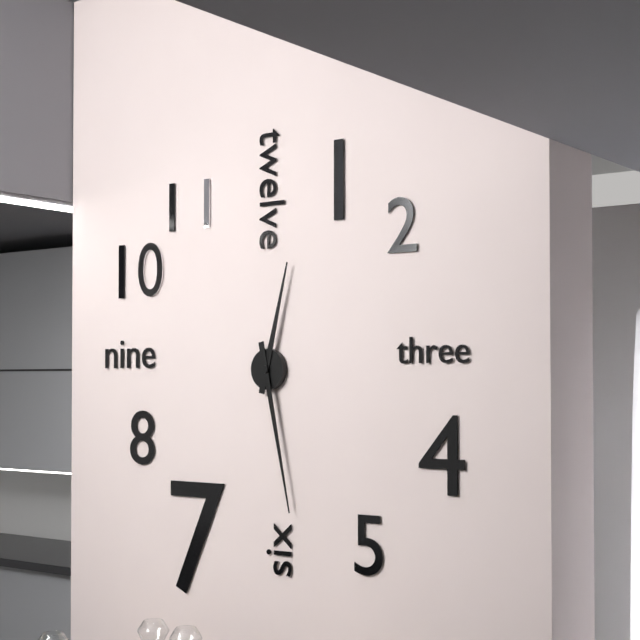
12:28
